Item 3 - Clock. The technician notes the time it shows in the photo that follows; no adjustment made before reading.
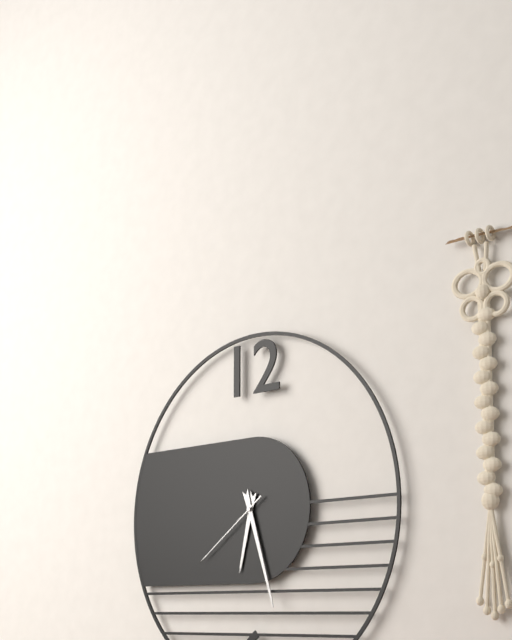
6:27:39
